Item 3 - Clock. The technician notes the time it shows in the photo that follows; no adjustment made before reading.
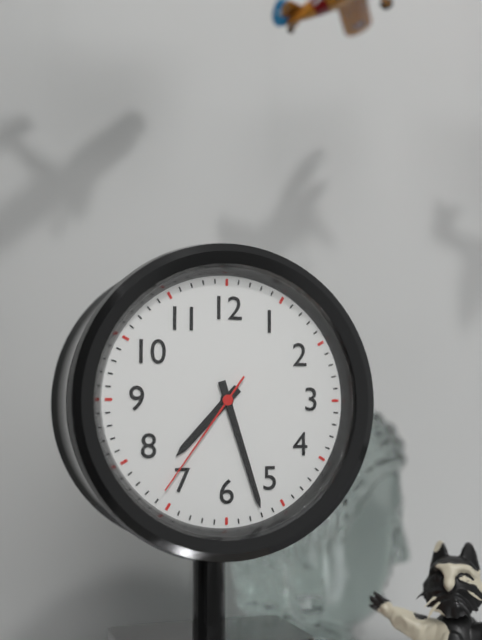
7:27:36
